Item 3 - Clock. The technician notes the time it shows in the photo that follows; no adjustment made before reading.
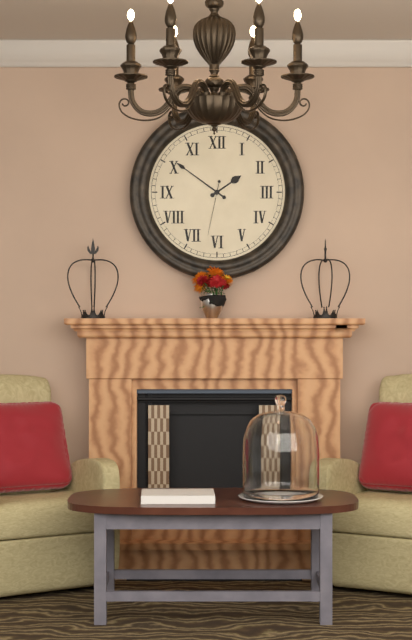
1:51:32
